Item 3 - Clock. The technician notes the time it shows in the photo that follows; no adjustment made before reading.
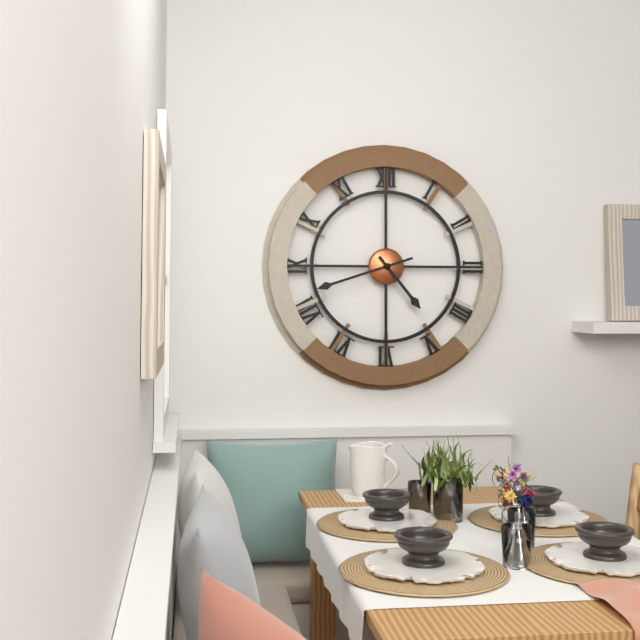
4:42
